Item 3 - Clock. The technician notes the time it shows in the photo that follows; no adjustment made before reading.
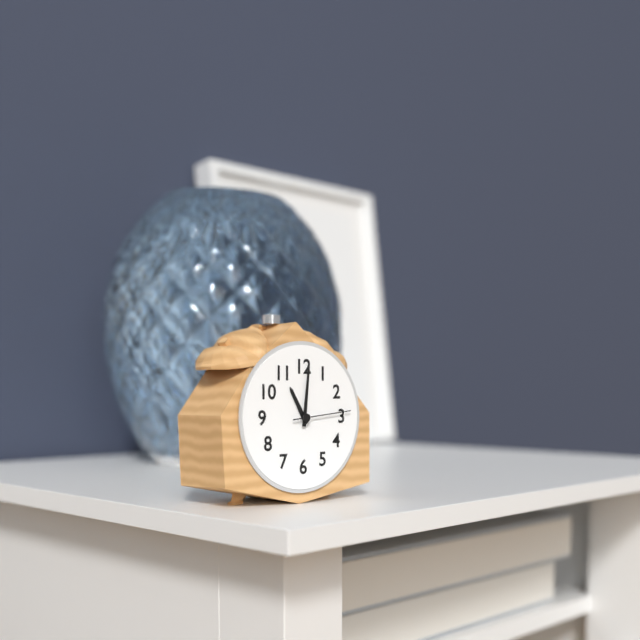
11:01:14
